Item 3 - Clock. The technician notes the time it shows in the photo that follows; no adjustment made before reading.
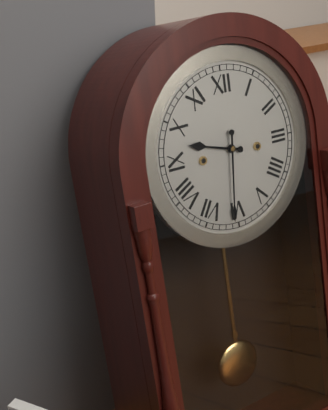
9:31
